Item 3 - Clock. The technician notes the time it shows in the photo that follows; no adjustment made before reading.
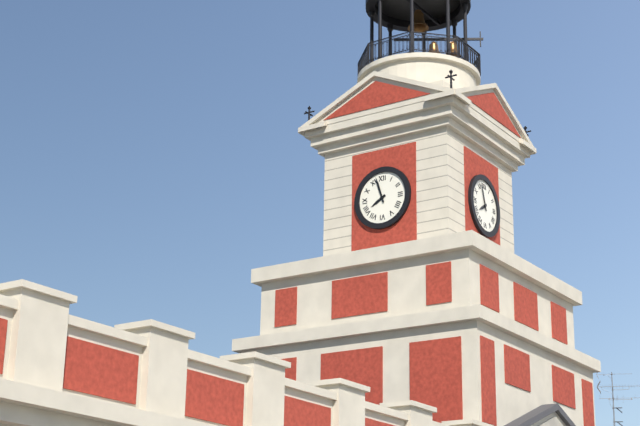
7:57
